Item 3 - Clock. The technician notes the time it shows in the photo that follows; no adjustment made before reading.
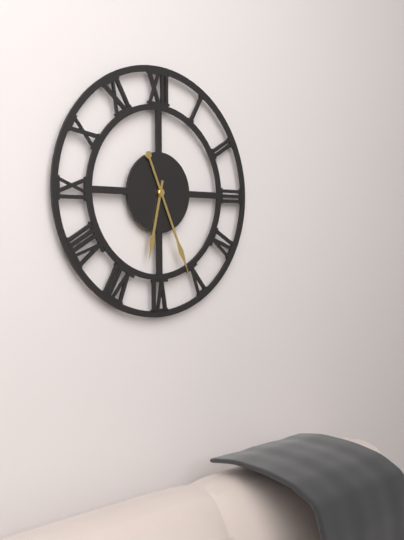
6:26
